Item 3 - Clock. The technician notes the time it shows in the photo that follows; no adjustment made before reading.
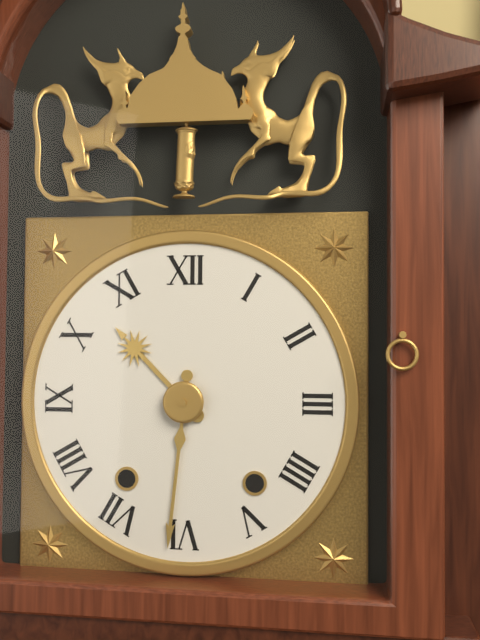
10:31
